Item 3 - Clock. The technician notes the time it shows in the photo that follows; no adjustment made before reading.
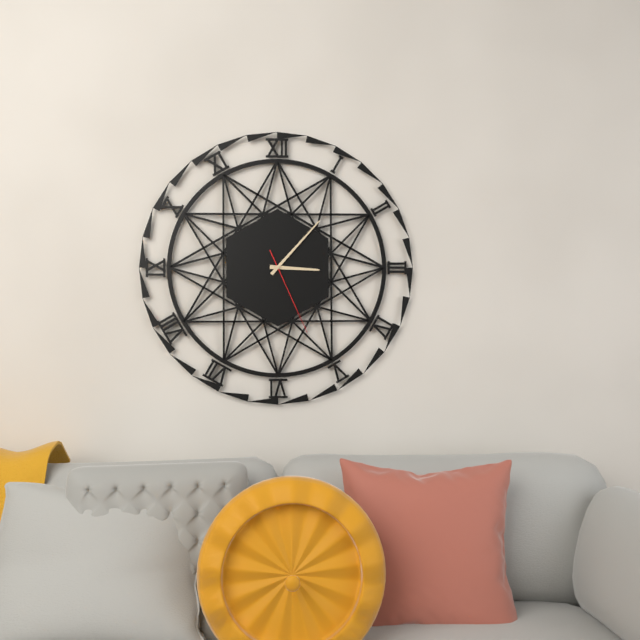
3:07:26
